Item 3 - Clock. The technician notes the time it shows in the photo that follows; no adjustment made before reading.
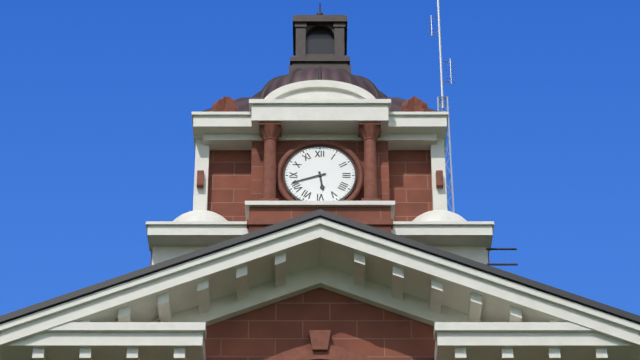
5:42
